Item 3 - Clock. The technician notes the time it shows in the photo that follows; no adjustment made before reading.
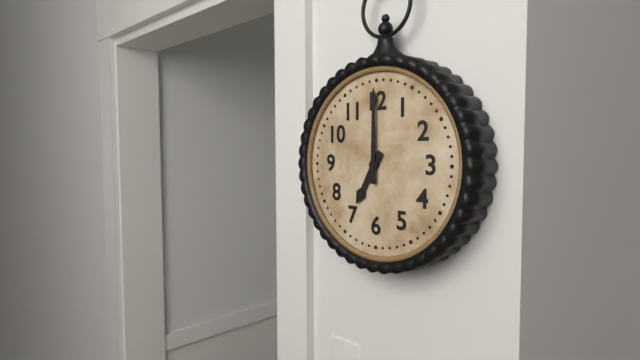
7:00
